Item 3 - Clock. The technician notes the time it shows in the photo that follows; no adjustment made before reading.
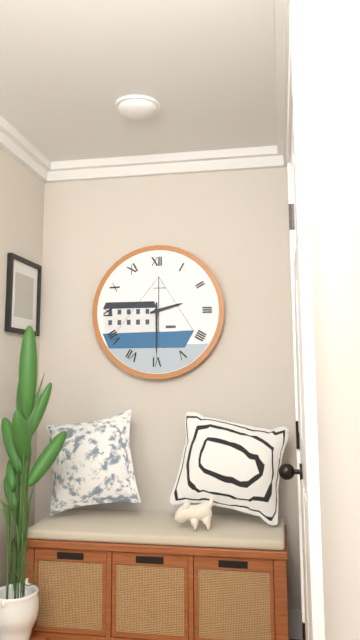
2:30
